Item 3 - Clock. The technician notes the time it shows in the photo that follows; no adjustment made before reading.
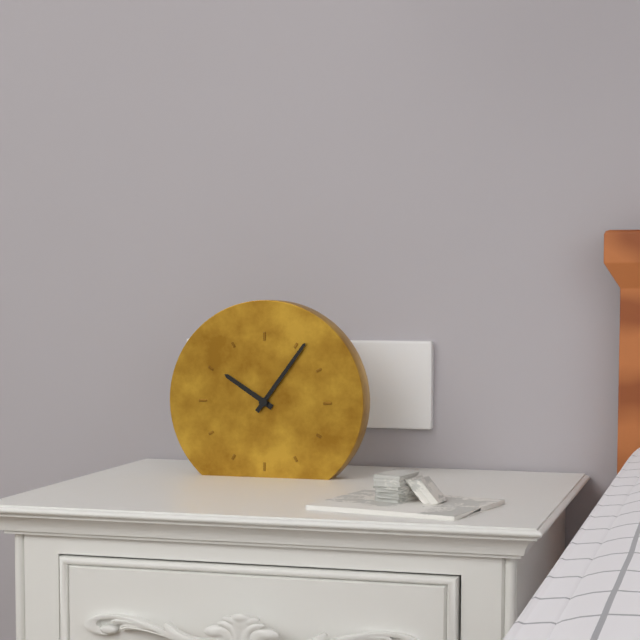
10:06
